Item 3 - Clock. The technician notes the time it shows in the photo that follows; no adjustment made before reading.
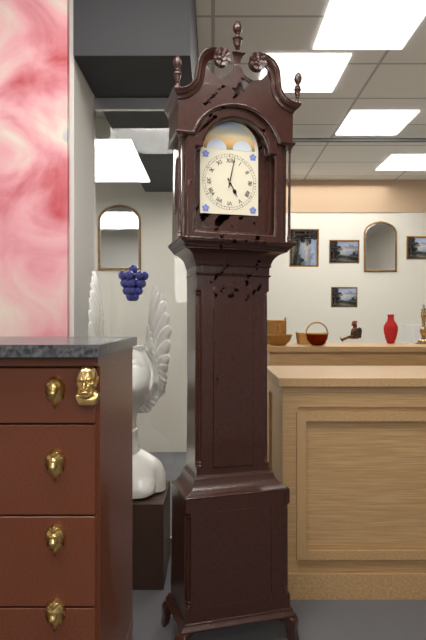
5:02
